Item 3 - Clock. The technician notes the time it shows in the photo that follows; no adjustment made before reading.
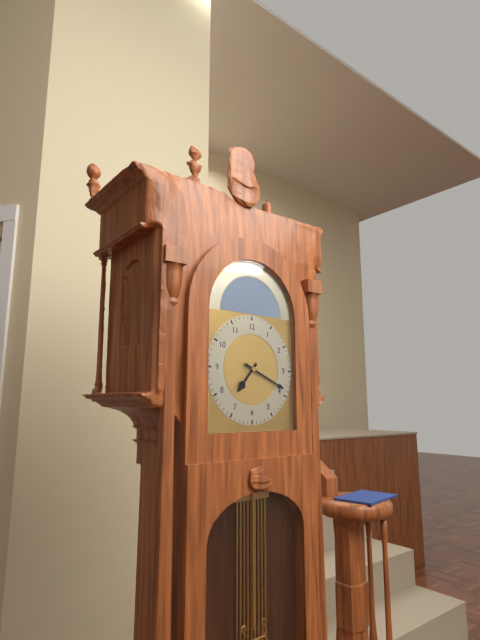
7:19
